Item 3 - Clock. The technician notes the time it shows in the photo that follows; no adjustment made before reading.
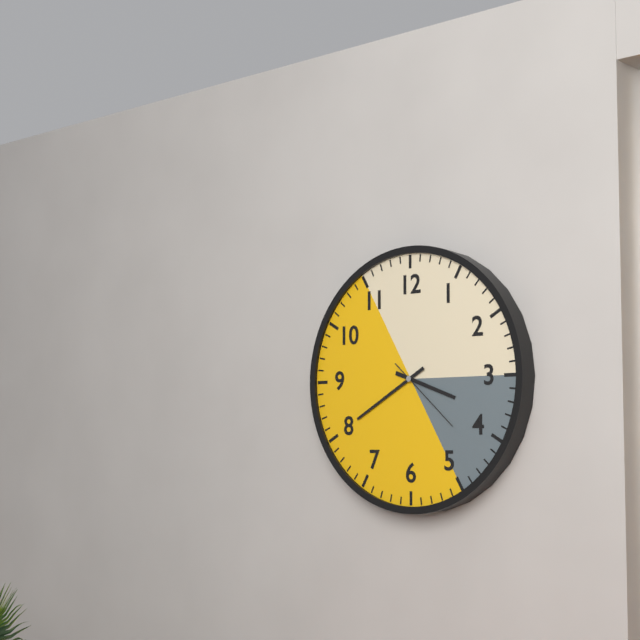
3:40:22
